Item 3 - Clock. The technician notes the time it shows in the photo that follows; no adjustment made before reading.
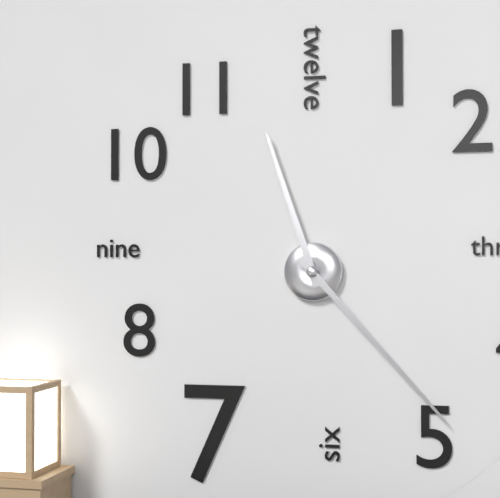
11:23
